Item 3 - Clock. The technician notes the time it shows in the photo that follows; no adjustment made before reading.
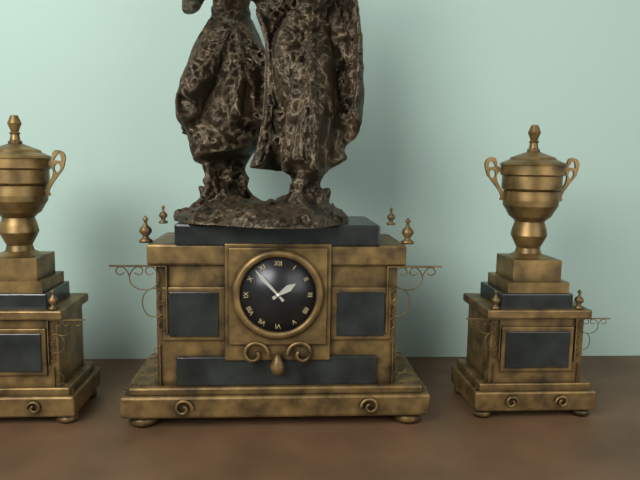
1:53
